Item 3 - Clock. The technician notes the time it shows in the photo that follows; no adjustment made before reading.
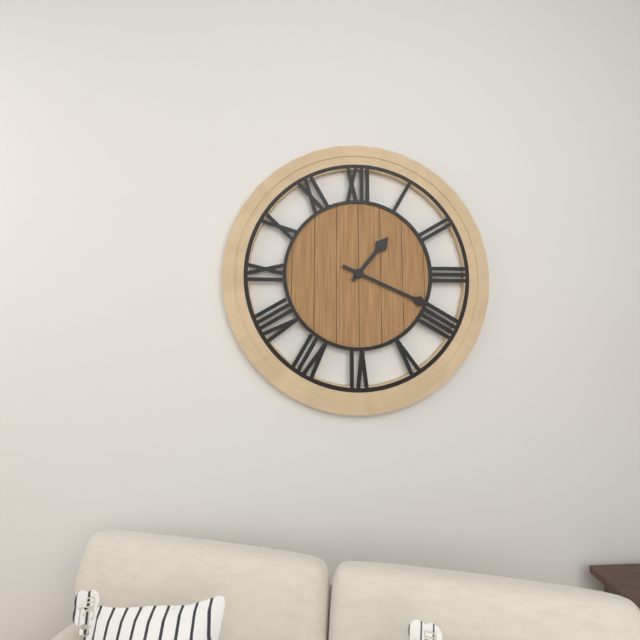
1:19
